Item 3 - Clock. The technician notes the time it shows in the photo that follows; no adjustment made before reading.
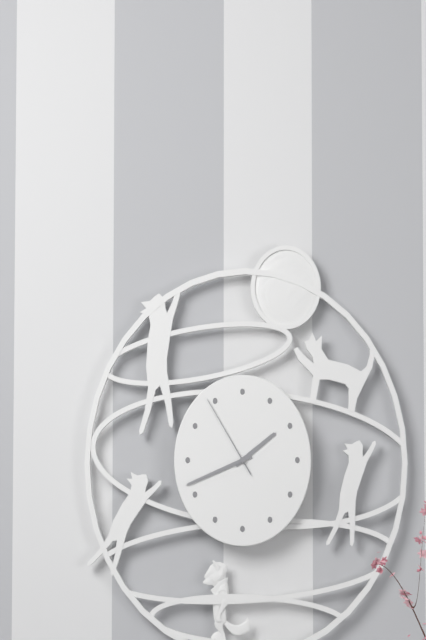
1:41:55
